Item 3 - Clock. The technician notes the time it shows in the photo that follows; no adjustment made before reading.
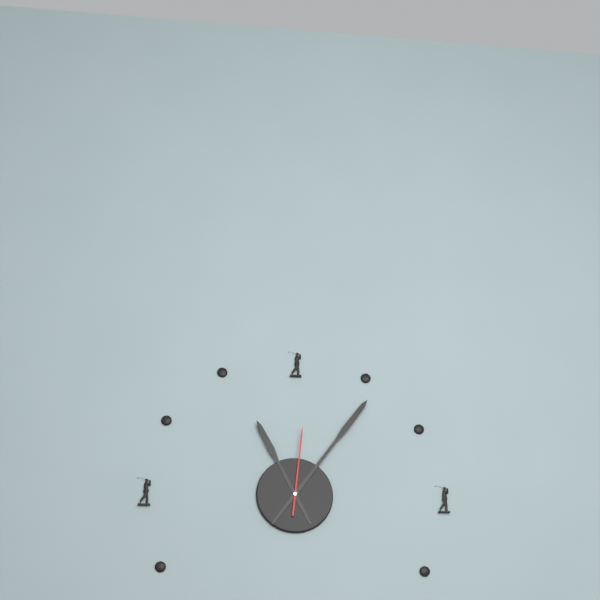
11:06:01
